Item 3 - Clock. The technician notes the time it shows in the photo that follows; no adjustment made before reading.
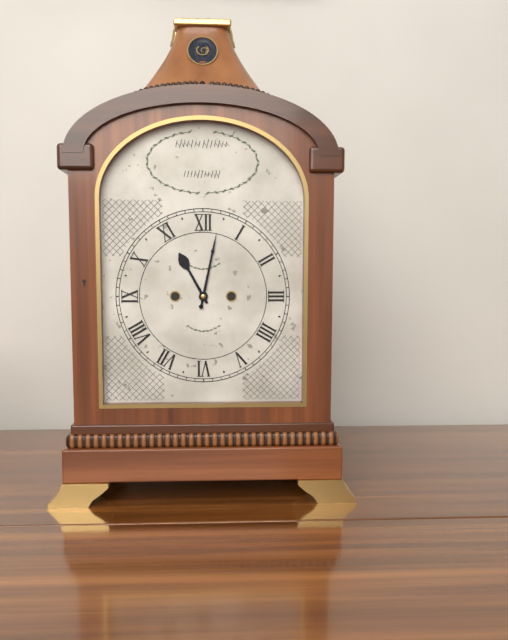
11:02
